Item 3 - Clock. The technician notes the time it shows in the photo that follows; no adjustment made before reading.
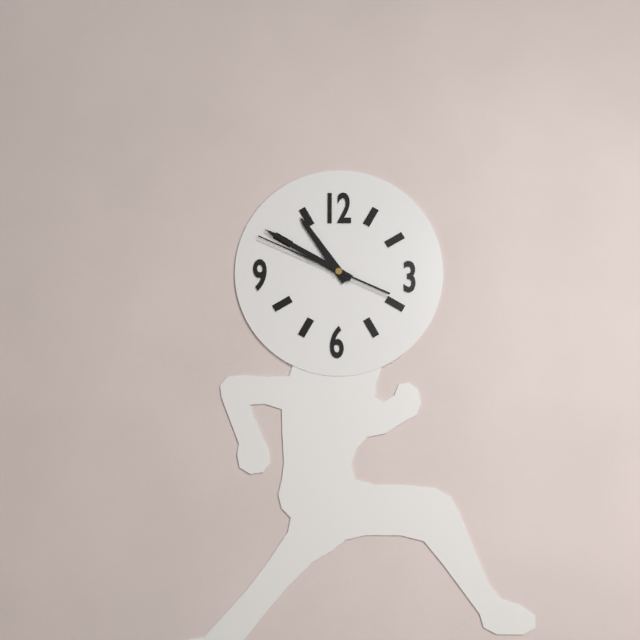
10:50:49
